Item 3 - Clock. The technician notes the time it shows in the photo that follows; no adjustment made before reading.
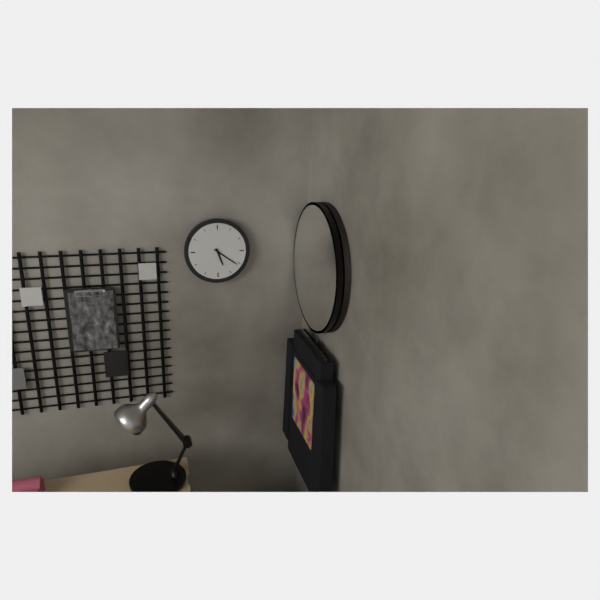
5:21
